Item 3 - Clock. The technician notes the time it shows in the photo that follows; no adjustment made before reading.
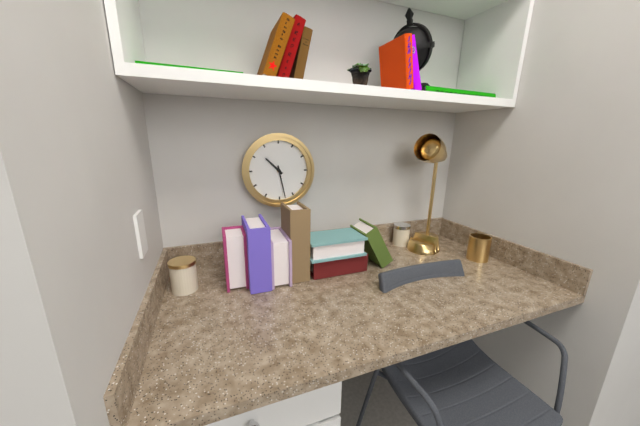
10:28
